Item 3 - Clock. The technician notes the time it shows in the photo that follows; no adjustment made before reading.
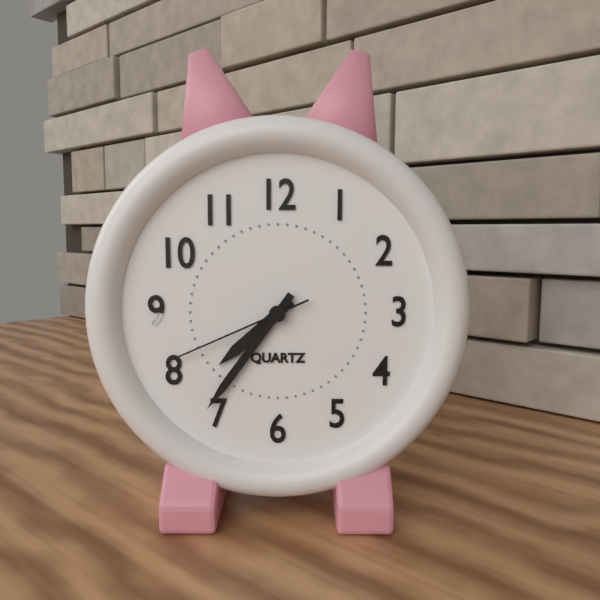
7:36:41
